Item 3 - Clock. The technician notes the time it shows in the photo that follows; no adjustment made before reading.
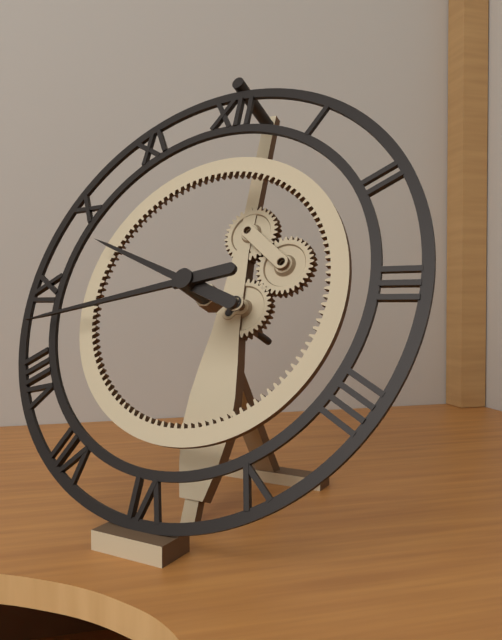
9:43
